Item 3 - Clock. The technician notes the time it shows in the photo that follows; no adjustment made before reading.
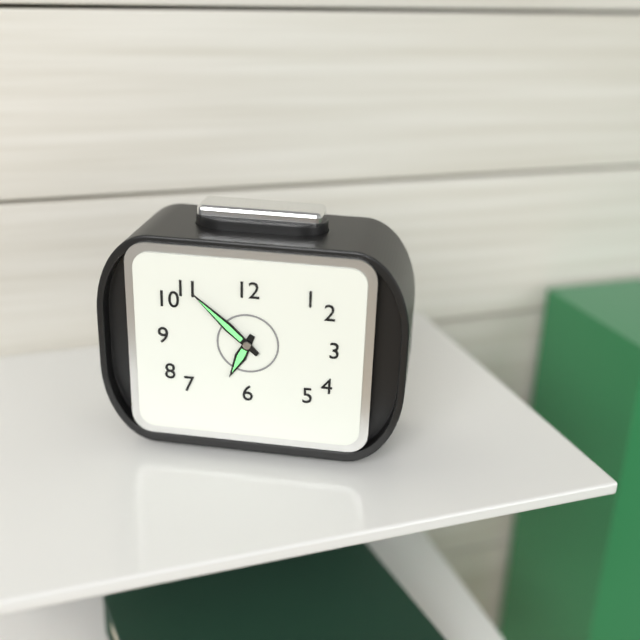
6:52
